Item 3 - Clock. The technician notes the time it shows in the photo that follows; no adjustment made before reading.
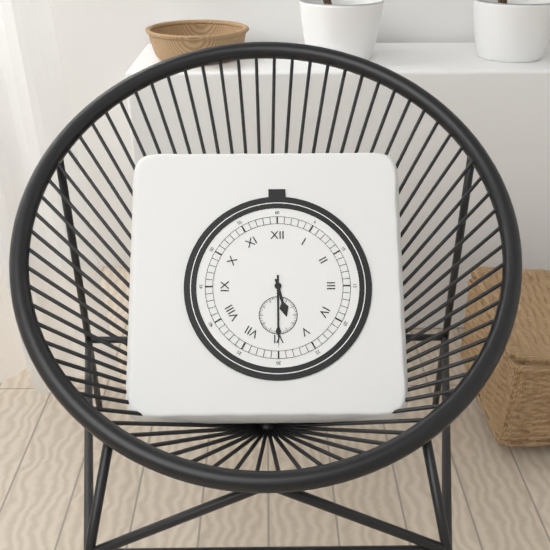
5:30
